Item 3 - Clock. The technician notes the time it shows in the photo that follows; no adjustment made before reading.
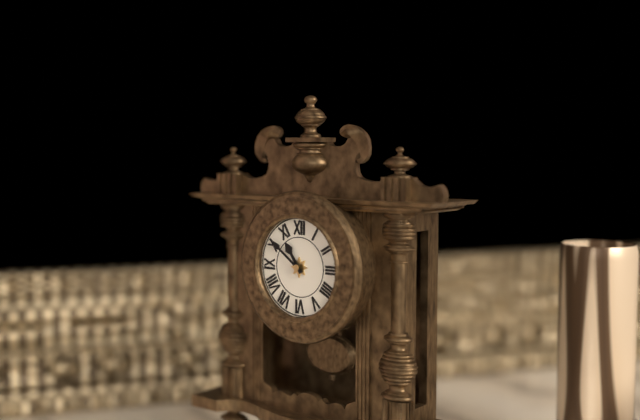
10:51
